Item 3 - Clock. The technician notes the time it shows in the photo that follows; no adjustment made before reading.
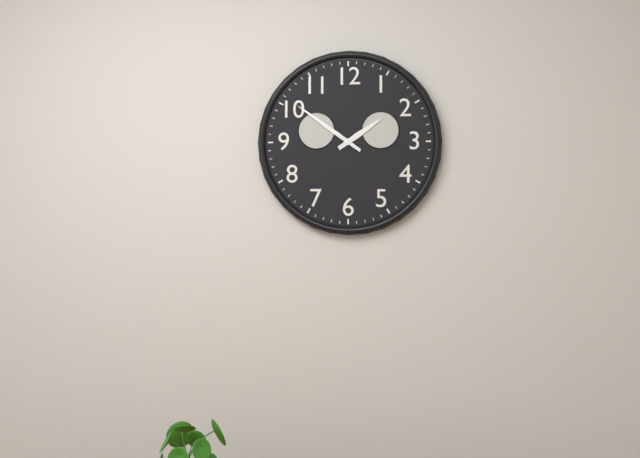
1:51
